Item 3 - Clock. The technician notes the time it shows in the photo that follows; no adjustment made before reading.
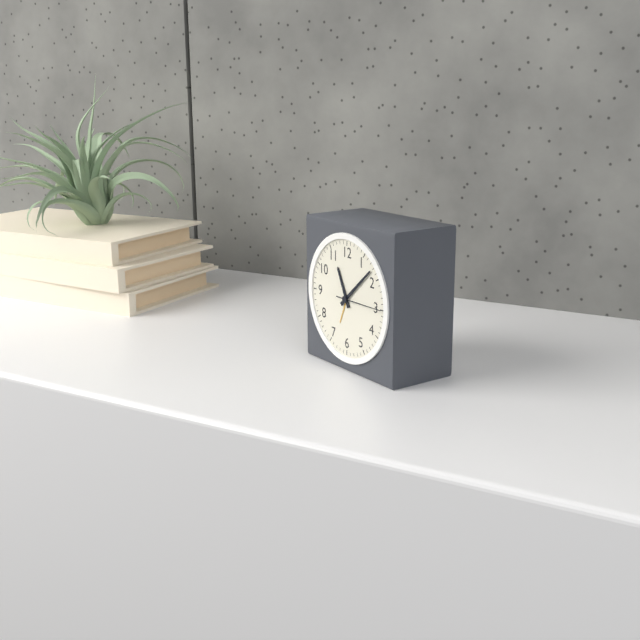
11:08
